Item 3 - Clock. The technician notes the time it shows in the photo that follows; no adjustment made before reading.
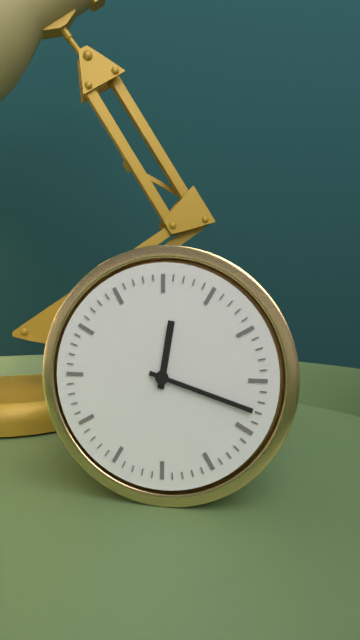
12:18
